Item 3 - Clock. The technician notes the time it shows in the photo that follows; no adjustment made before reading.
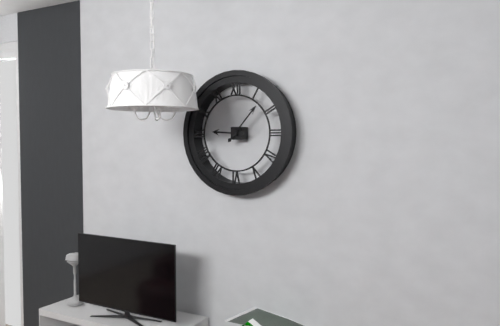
9:07
